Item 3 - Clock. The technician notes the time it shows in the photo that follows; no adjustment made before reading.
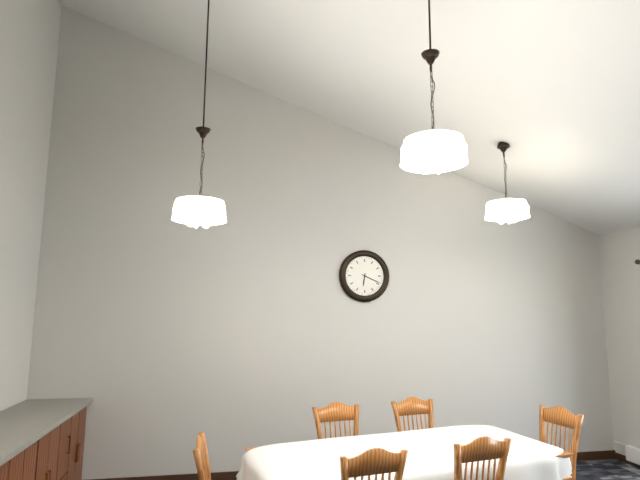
6:19
